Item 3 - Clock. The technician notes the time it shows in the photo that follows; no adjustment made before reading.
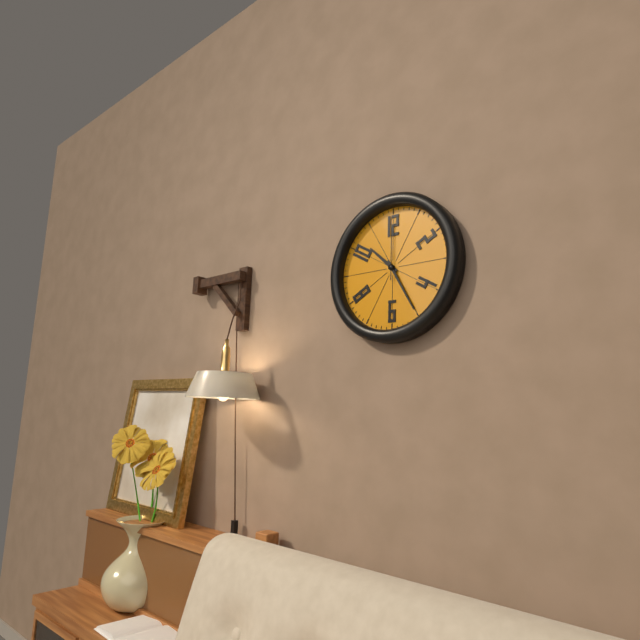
10:25:00
